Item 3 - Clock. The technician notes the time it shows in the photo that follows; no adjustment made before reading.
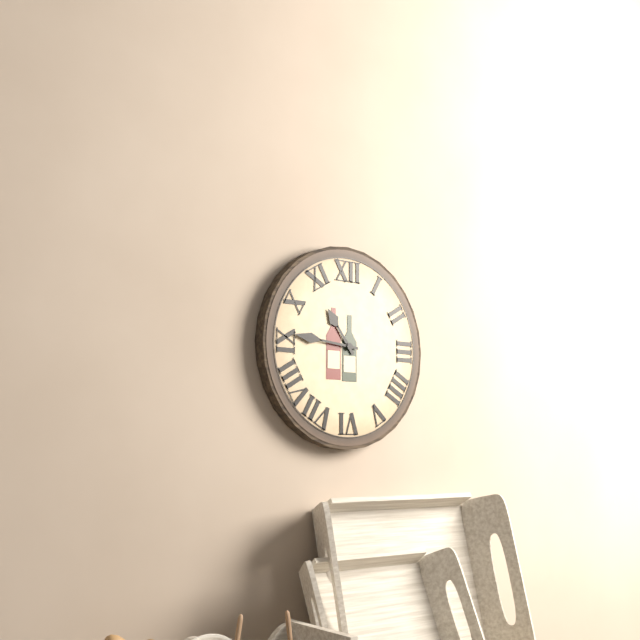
10:46
